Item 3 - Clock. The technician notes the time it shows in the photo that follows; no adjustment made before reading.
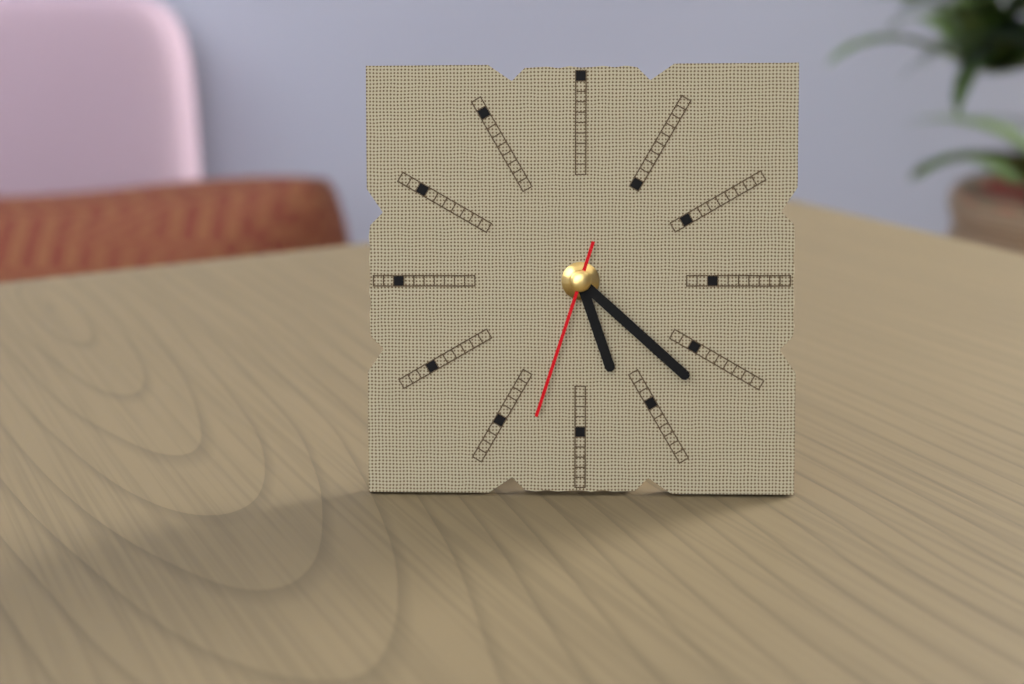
5:22:33
